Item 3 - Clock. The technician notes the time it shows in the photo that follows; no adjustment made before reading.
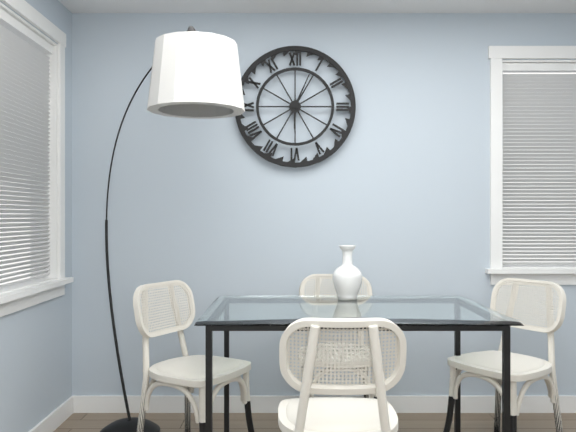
6:04
